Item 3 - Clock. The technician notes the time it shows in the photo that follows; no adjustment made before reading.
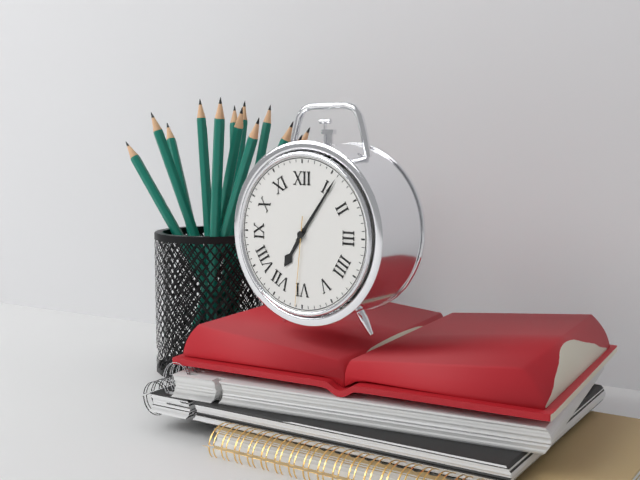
7:06:31
